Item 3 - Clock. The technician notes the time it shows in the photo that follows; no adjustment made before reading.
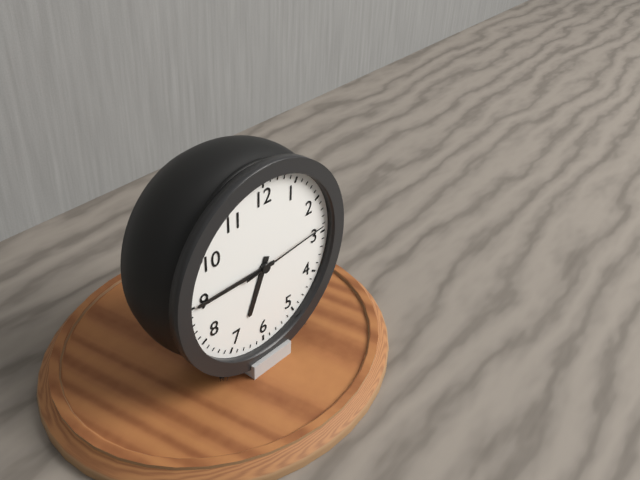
6:45:14
